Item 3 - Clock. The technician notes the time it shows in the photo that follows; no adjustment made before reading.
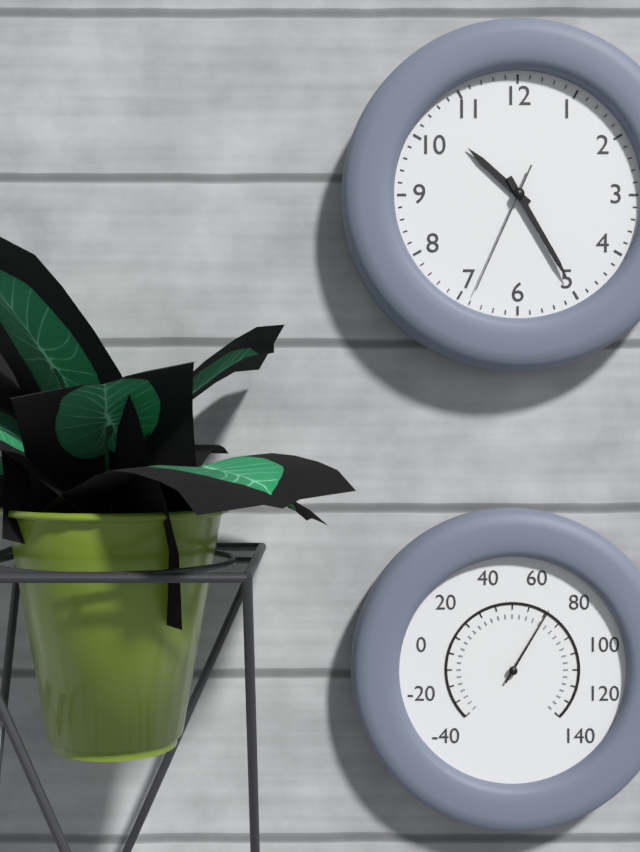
10:25:34
